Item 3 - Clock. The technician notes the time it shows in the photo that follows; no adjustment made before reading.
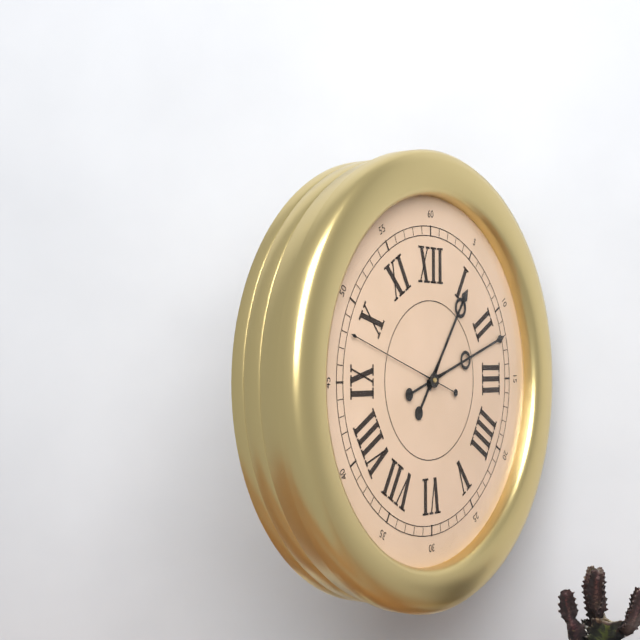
1:12:48
